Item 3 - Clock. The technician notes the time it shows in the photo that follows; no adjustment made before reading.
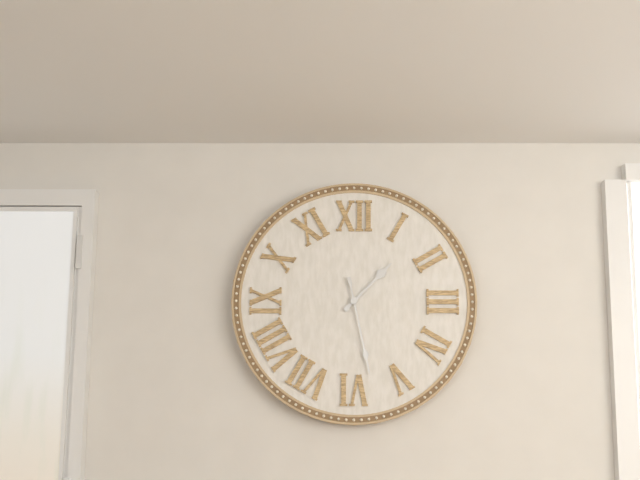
1:28
